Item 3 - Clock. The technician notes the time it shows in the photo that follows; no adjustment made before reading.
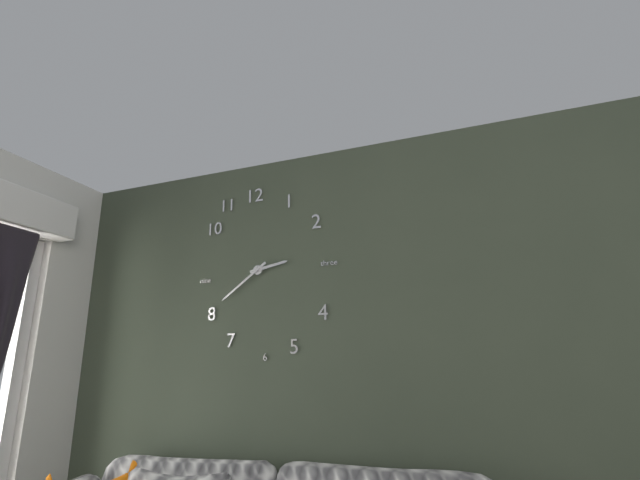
2:39
